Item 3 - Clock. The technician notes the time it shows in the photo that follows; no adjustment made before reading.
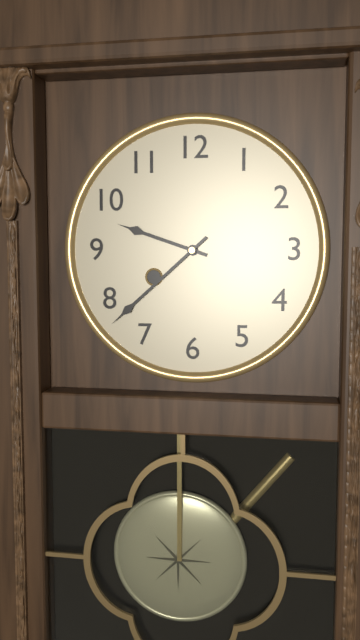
9:38
